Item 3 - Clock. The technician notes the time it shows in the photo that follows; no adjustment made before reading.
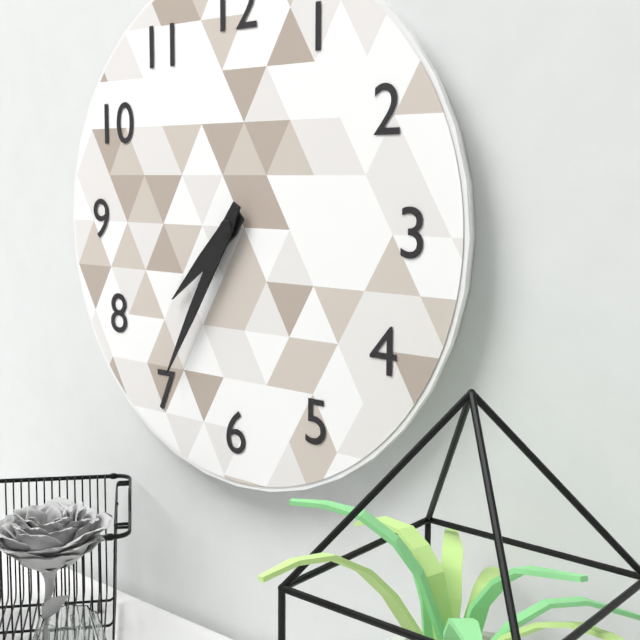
7:35
